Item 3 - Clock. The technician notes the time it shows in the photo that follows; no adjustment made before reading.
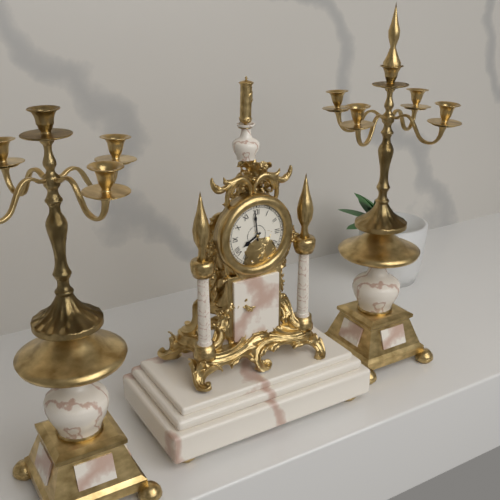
7:59
